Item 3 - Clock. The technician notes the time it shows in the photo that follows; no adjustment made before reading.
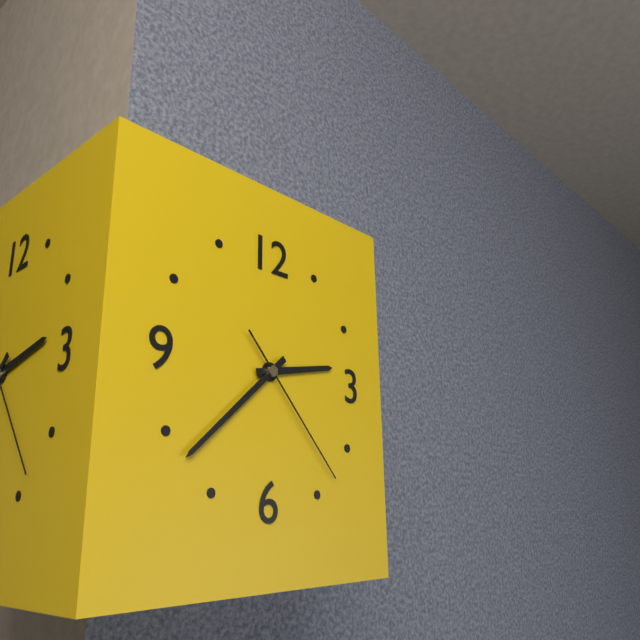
2:38:23
